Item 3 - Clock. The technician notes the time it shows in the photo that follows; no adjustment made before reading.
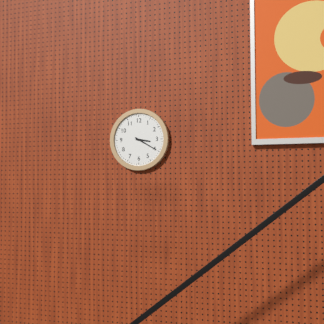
3:20
